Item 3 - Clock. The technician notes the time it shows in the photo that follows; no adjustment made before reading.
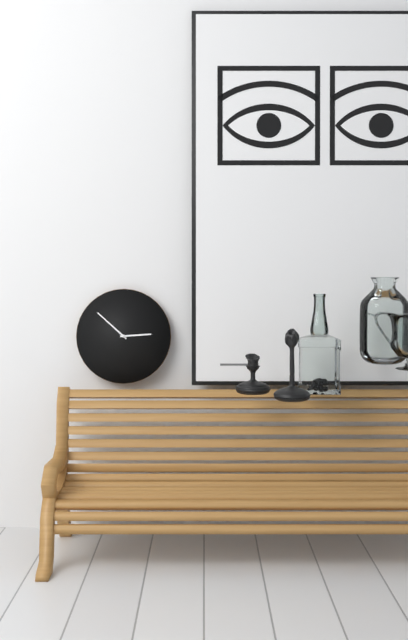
2:52
